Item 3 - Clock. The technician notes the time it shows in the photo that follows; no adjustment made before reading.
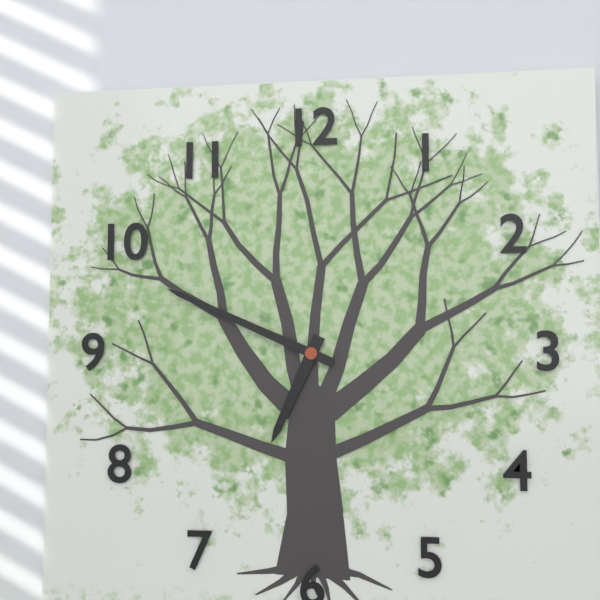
6:49
